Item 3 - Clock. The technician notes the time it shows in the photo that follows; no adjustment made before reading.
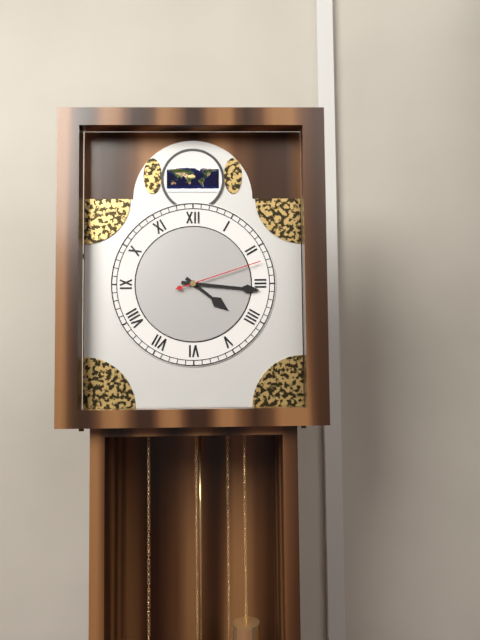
4:16:12
